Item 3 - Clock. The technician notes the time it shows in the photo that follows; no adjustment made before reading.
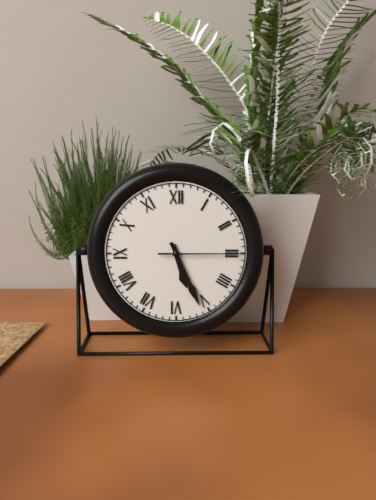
5:26:15
